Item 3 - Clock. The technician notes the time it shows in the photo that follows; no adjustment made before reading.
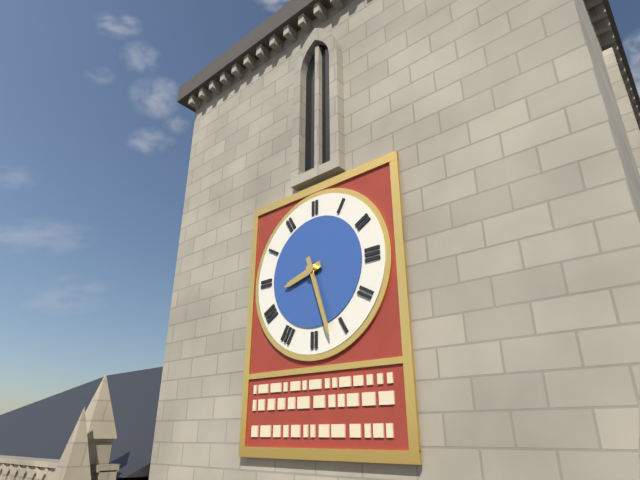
8:27
